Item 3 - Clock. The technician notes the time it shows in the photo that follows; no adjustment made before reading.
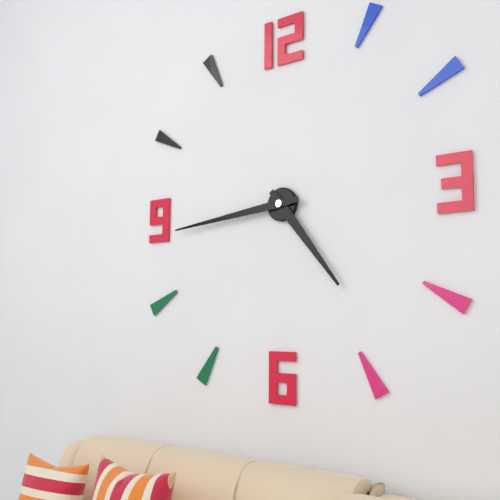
4:44
